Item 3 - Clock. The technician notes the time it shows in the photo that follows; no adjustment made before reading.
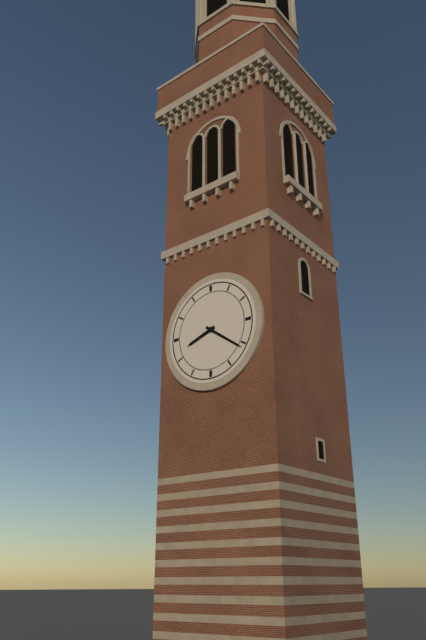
8:21
